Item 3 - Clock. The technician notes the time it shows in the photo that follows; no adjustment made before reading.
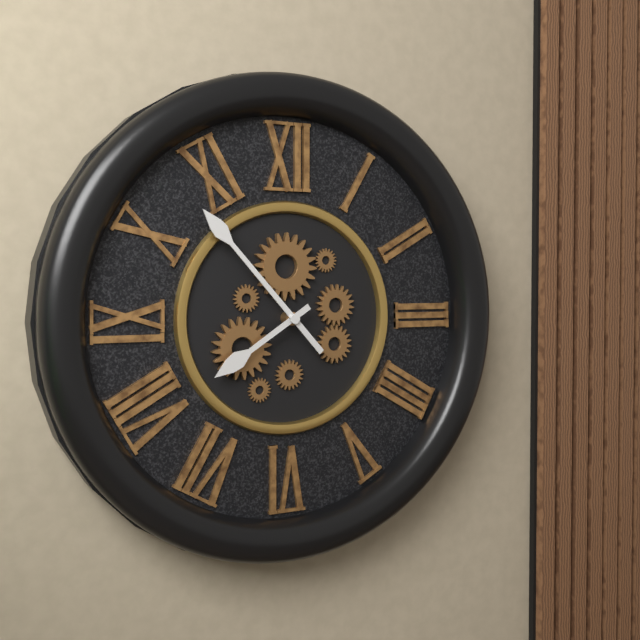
7:53
